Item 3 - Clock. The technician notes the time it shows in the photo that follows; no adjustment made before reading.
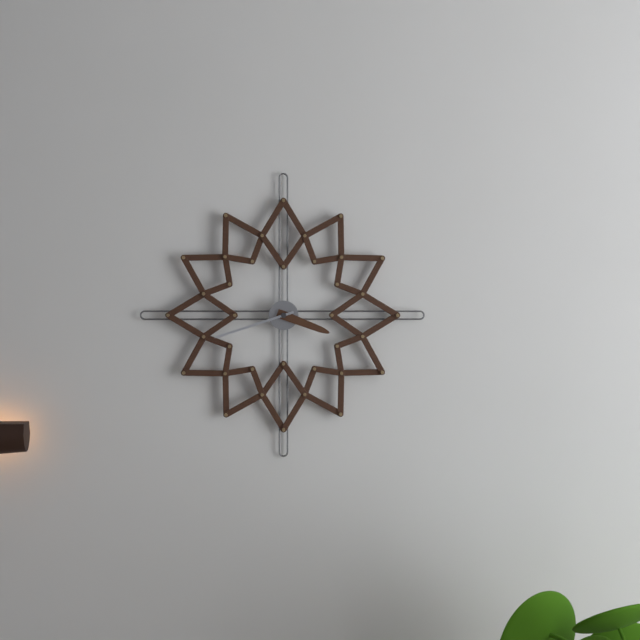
3:42
